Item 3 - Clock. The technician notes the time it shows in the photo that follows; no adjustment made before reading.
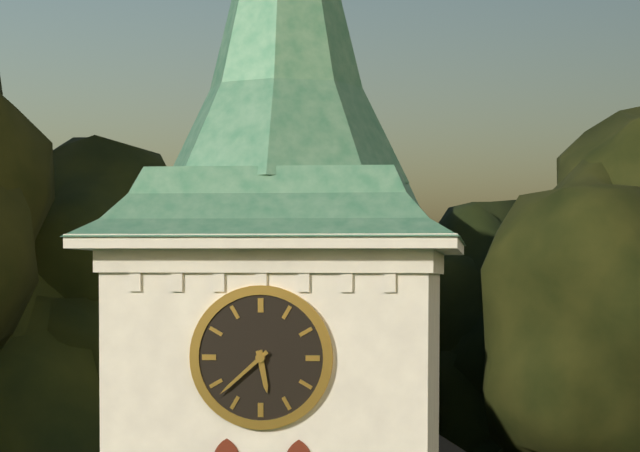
5:38
